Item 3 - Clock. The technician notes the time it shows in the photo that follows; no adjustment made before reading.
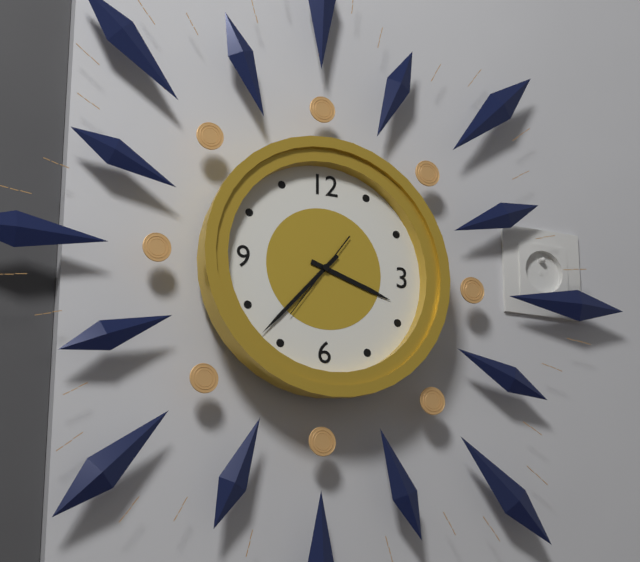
3:37:36
